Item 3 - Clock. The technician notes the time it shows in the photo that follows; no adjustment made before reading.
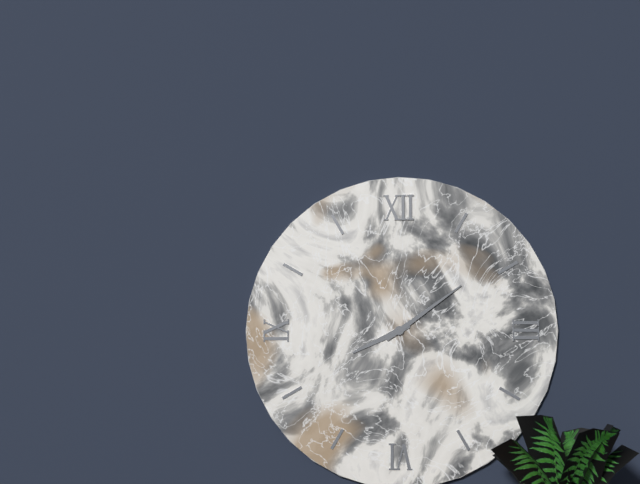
8:09
